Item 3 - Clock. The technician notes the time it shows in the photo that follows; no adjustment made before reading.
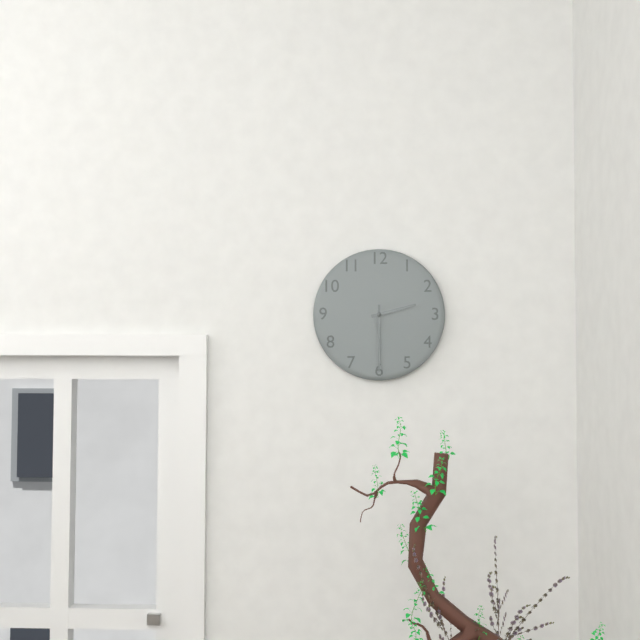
2:30
